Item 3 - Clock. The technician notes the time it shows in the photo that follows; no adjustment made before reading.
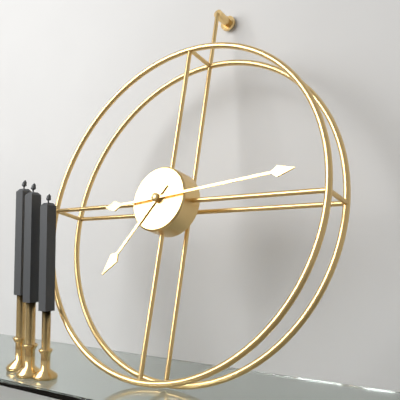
7:14
